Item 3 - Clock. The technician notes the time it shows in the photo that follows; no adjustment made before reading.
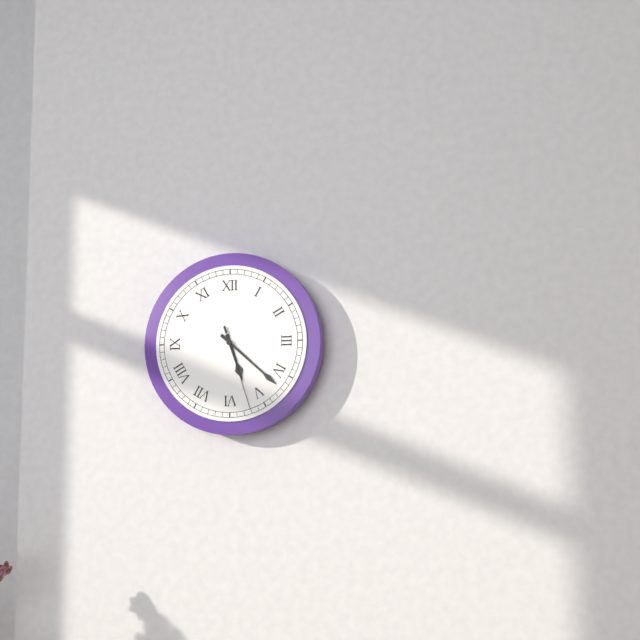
5:22:27
